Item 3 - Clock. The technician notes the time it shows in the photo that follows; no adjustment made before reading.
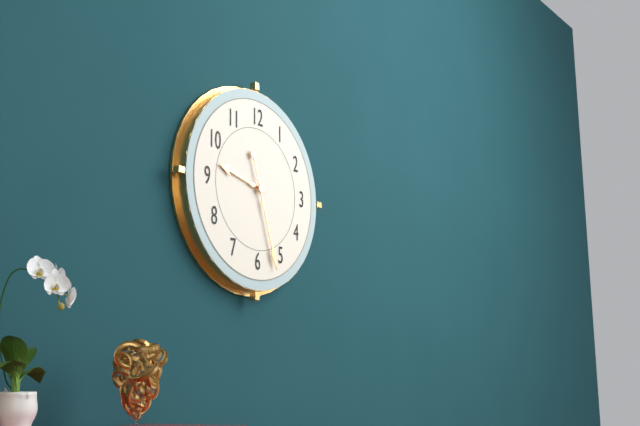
9:27
